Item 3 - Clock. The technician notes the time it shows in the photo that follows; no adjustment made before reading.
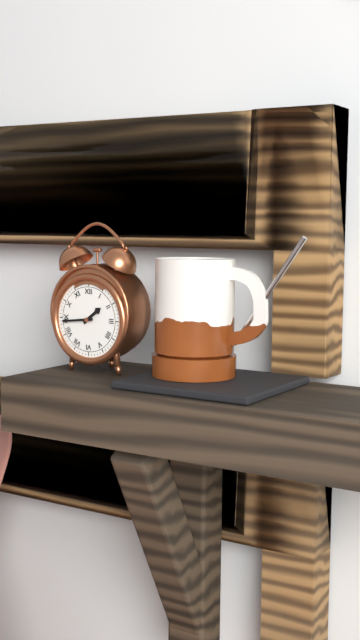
1:44
